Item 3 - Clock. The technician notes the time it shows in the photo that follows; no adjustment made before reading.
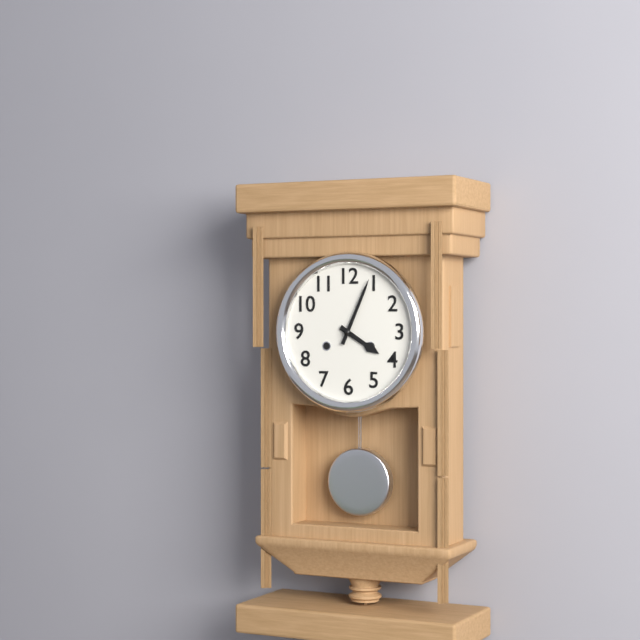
4:04
